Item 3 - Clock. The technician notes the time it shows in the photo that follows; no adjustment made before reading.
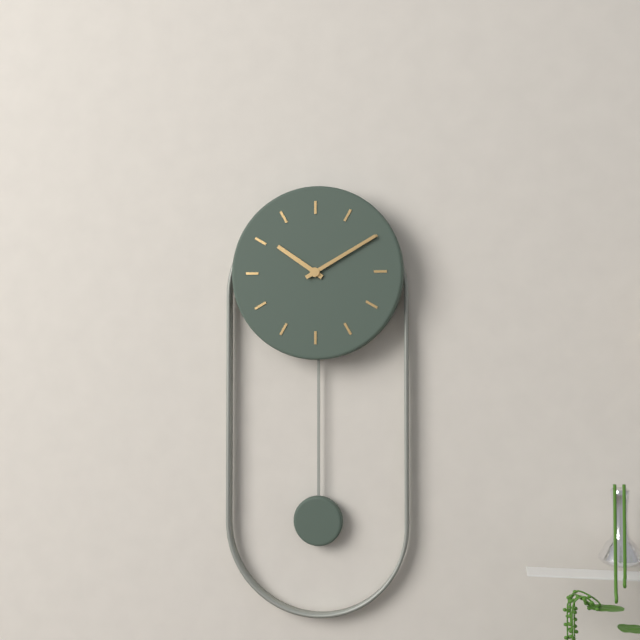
10:10
